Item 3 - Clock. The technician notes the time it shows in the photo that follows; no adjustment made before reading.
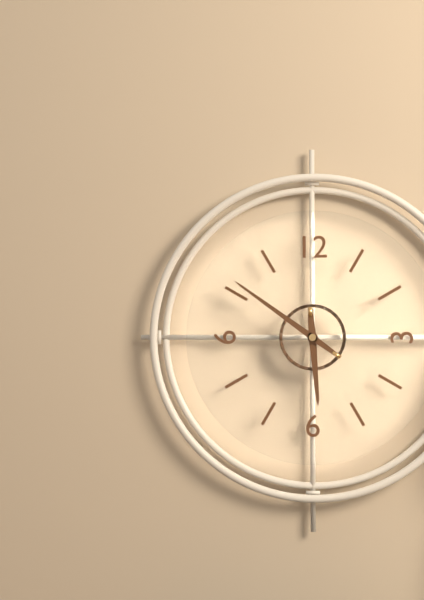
5:51
